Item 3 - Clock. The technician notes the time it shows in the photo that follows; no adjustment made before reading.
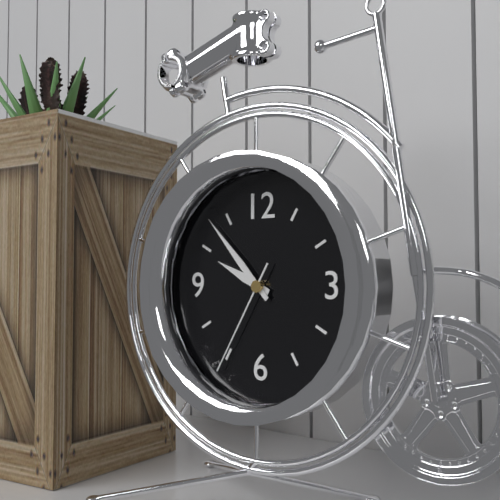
9:53:35
